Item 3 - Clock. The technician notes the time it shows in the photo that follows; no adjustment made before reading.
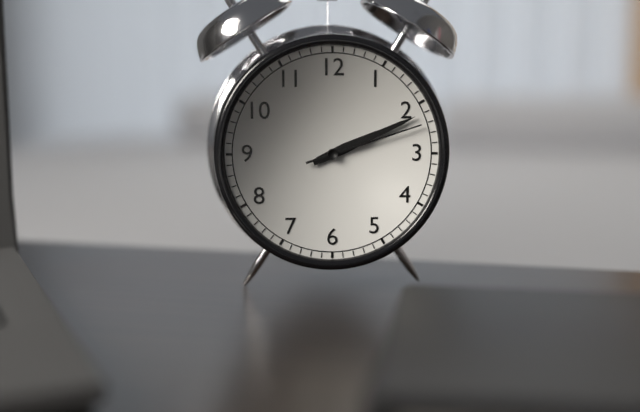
2:11:12
